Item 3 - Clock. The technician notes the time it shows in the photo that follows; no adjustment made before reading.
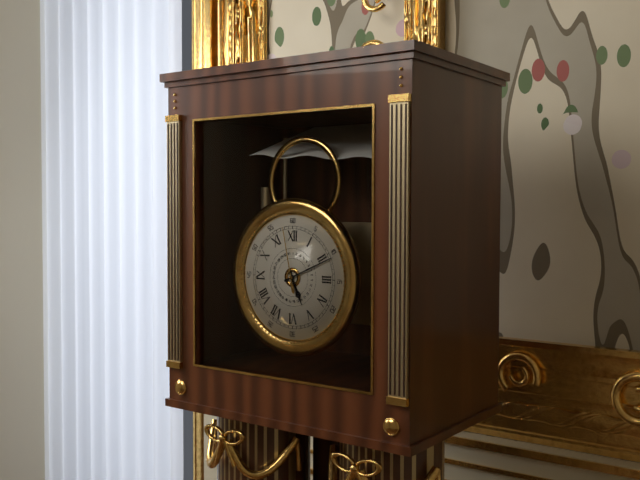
5:11:58
